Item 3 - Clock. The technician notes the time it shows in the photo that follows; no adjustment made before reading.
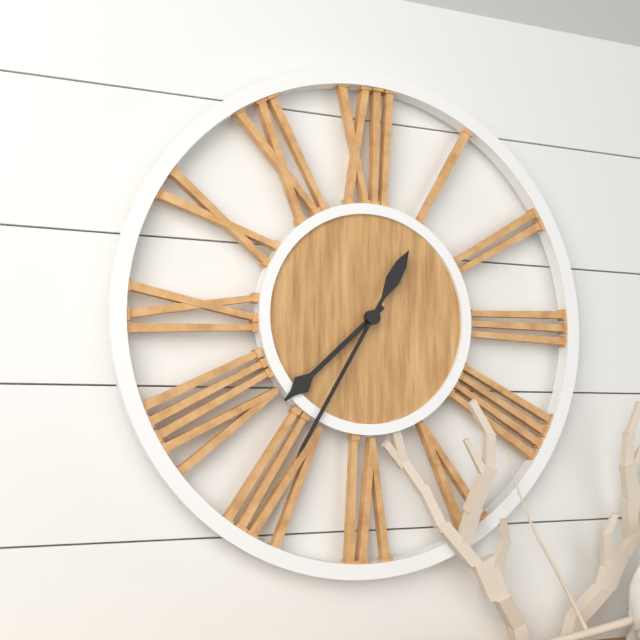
7:35
